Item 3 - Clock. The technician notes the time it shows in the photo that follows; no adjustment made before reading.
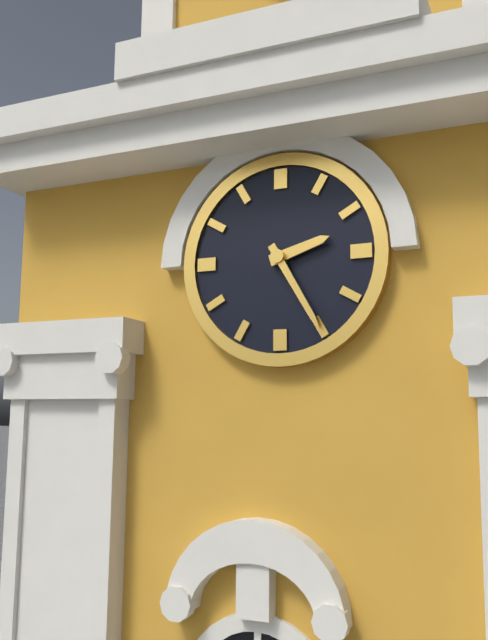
2:25
